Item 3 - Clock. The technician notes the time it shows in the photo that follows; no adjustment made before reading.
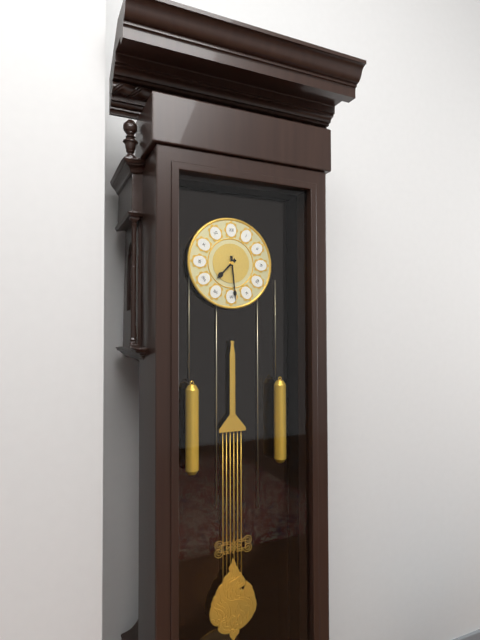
7:29
